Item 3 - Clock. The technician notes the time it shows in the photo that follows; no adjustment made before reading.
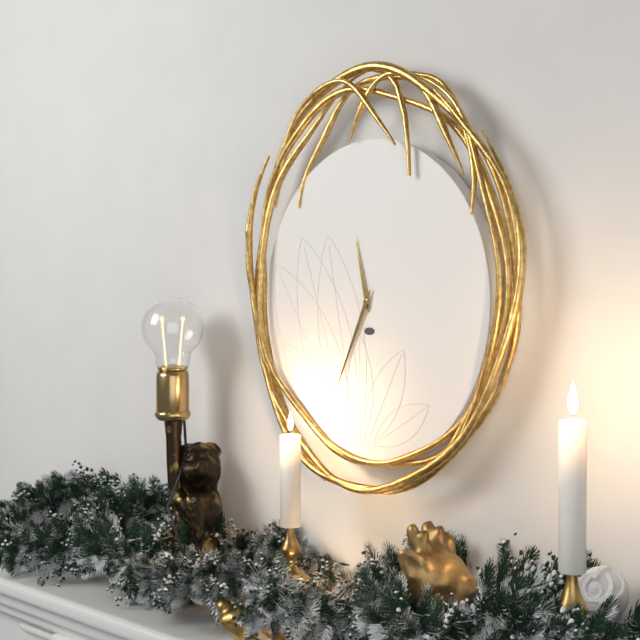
11:34
